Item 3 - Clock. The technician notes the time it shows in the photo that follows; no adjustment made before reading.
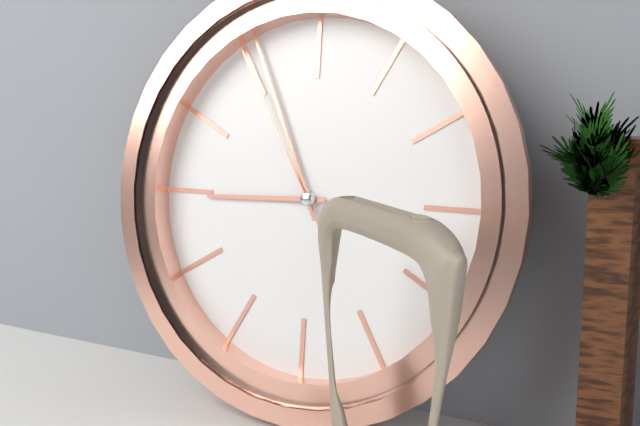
8:56:55
